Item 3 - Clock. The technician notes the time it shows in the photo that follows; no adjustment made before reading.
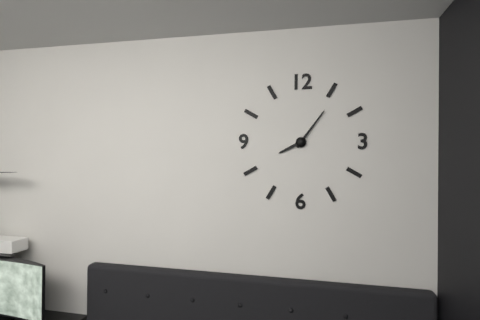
8:06
